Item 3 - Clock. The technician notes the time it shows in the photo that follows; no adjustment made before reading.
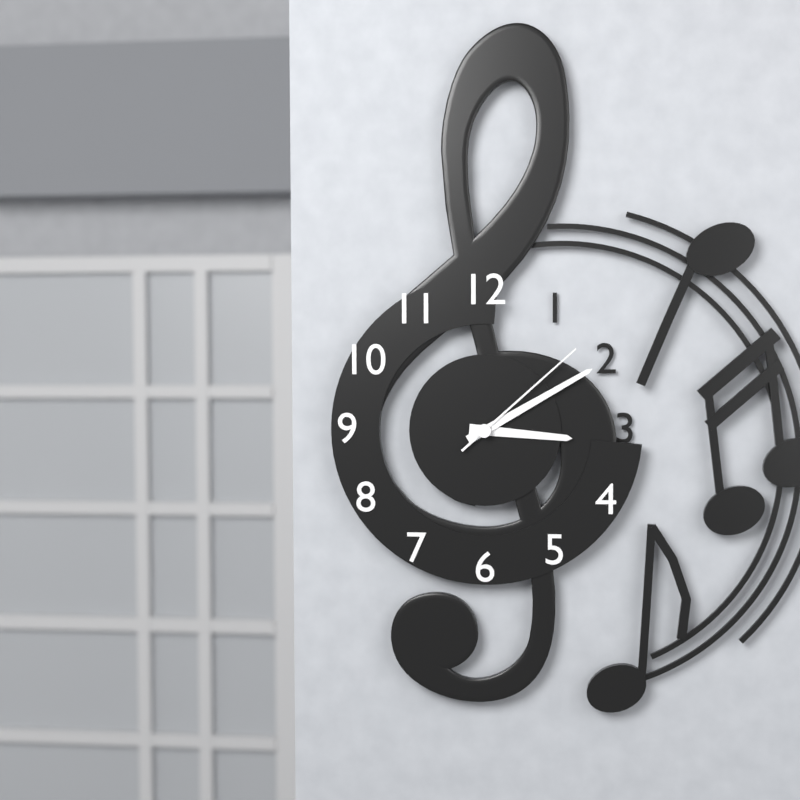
3:10:08
